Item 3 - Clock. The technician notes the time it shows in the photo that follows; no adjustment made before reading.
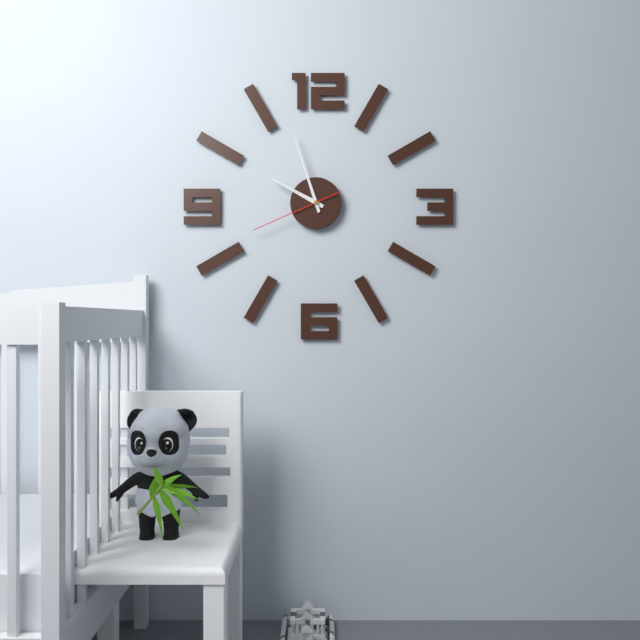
9:57:41
